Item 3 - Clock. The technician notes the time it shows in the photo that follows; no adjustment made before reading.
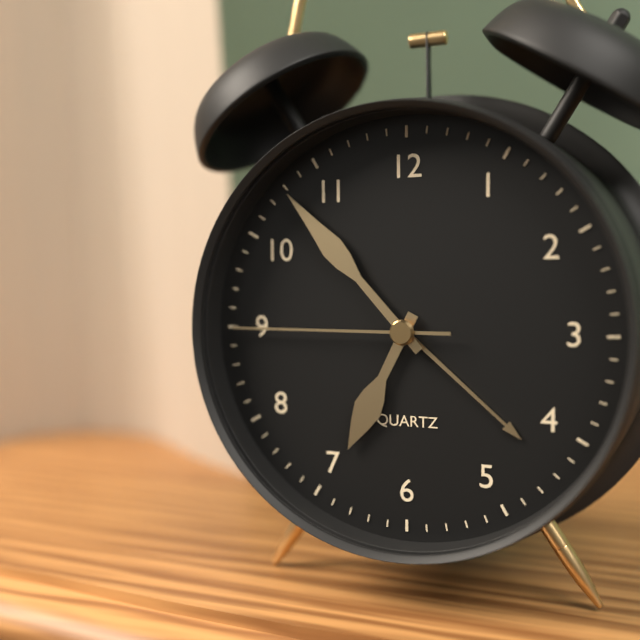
6:53:45
